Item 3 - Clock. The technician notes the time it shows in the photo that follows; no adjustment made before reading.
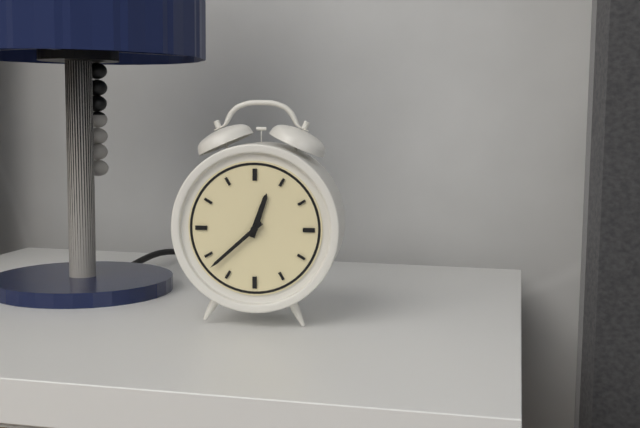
12:38
